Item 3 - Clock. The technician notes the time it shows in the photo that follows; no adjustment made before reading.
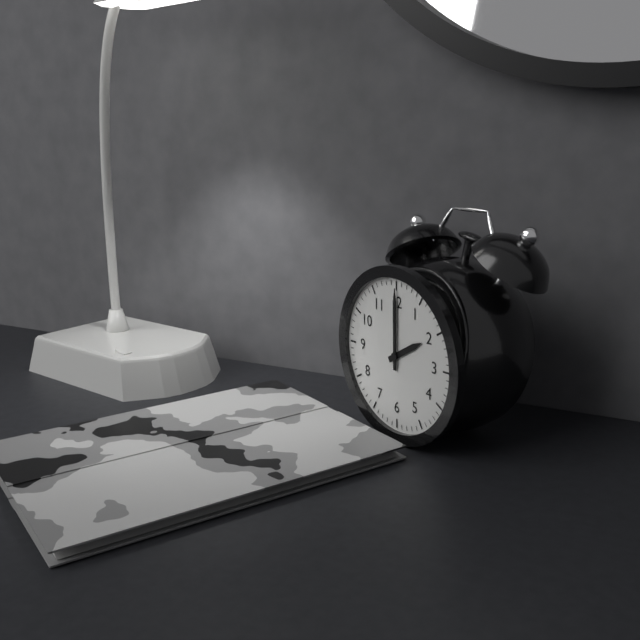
2:00
